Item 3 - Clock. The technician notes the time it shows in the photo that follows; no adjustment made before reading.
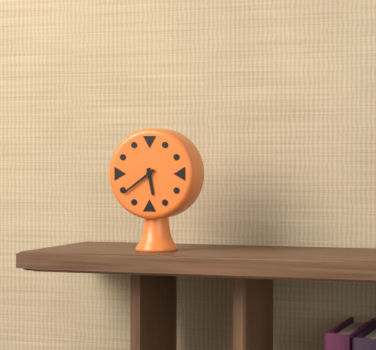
5:39
